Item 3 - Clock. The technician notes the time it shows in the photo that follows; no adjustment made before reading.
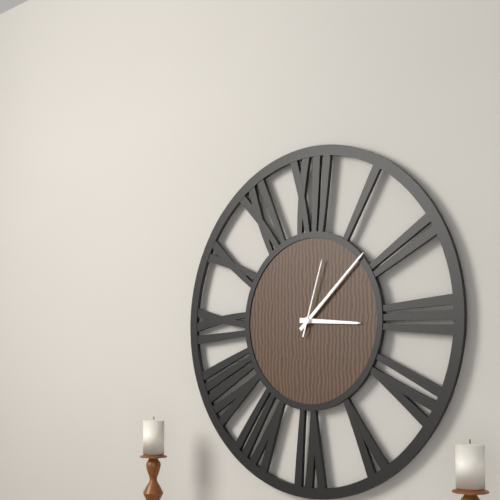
3:08:03
